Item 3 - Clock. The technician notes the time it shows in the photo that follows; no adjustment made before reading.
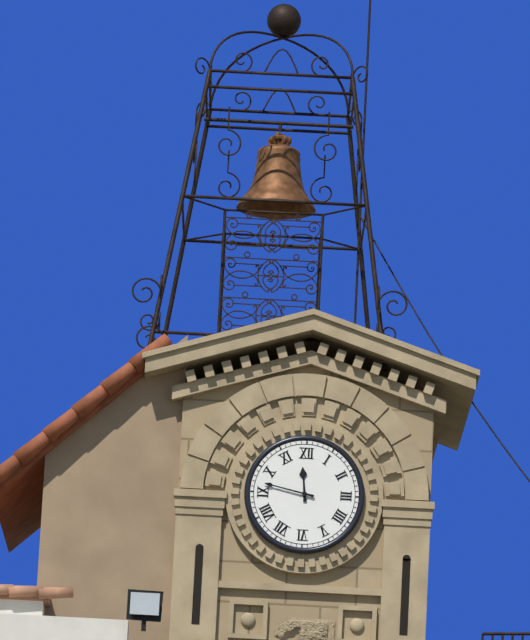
11:47
